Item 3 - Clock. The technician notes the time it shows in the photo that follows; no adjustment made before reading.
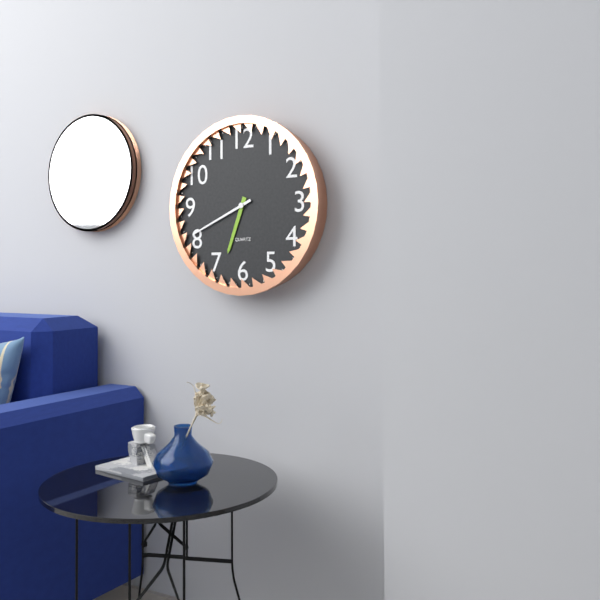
6:41
